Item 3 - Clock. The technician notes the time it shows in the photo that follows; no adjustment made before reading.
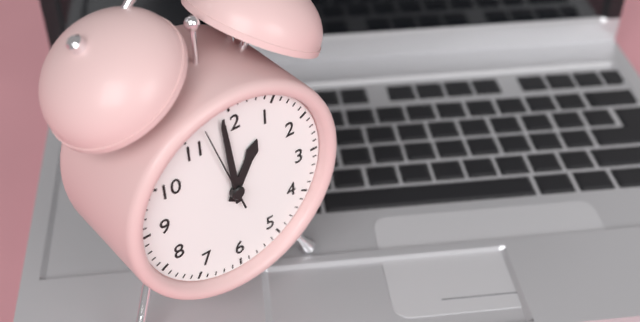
12:59:57
